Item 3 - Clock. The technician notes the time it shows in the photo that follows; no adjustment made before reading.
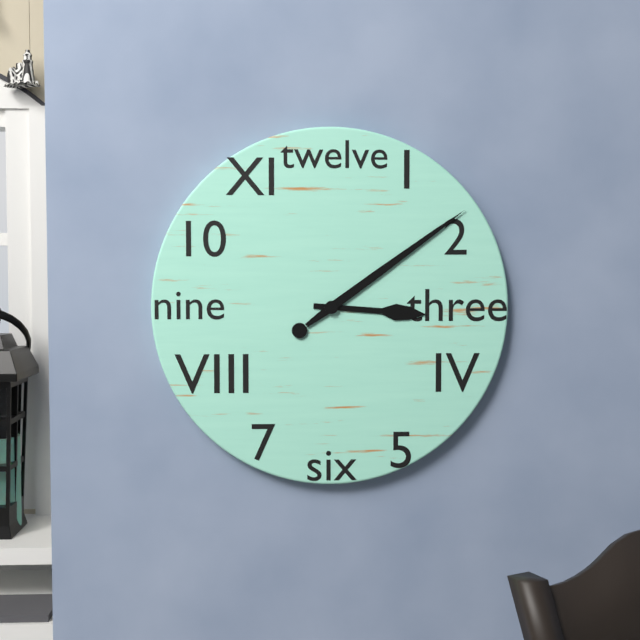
3:09
